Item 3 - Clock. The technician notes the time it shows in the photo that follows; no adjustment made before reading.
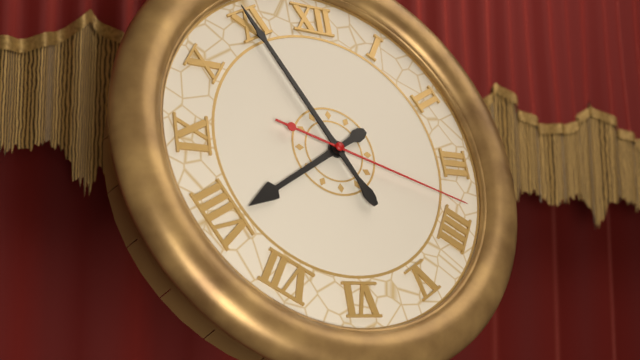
7:55:18
